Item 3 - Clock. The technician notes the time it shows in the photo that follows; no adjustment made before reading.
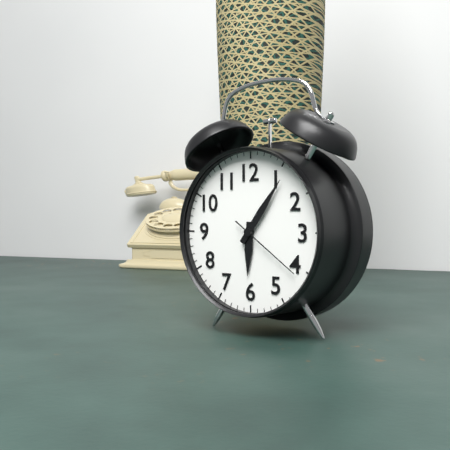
6:06:21
